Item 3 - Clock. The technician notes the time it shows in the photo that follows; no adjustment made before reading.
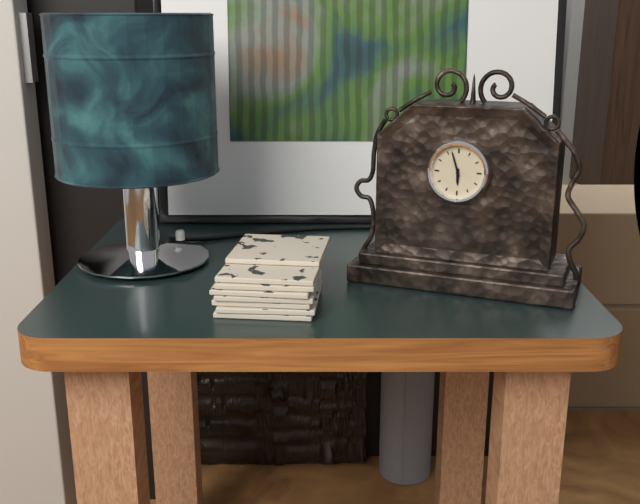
5:57
